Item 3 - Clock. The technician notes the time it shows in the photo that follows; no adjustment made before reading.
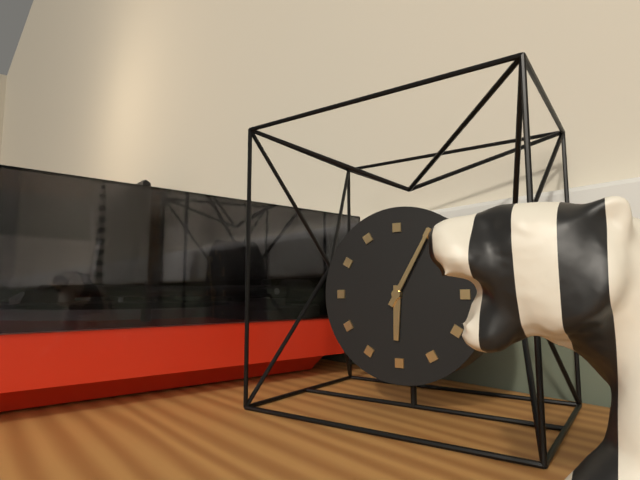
6:05
